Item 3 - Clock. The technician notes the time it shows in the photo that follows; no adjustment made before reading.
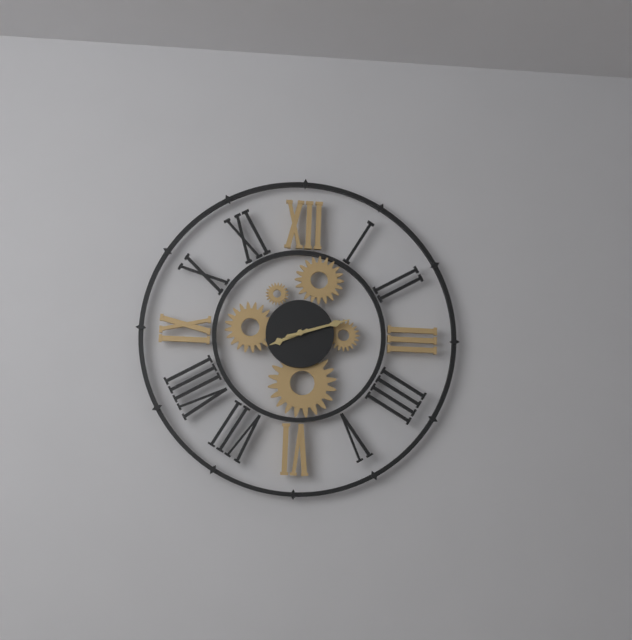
8:12
